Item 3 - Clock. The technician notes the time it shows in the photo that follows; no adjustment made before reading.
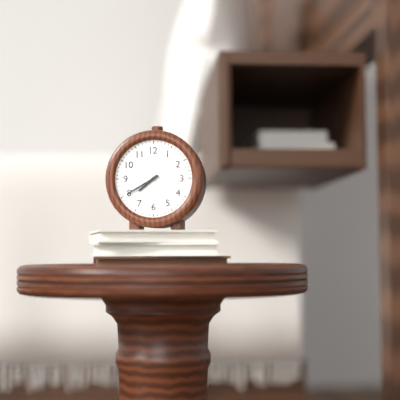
7:40
